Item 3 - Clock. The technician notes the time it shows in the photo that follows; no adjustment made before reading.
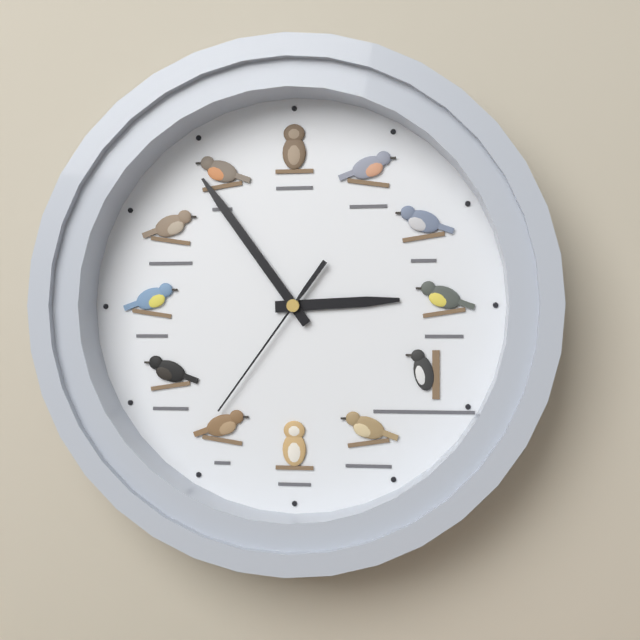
2:54:36
